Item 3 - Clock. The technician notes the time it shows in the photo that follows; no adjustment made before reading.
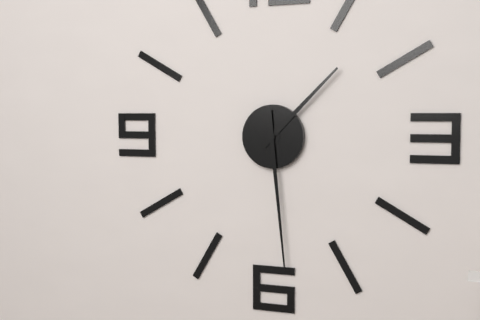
1:29
